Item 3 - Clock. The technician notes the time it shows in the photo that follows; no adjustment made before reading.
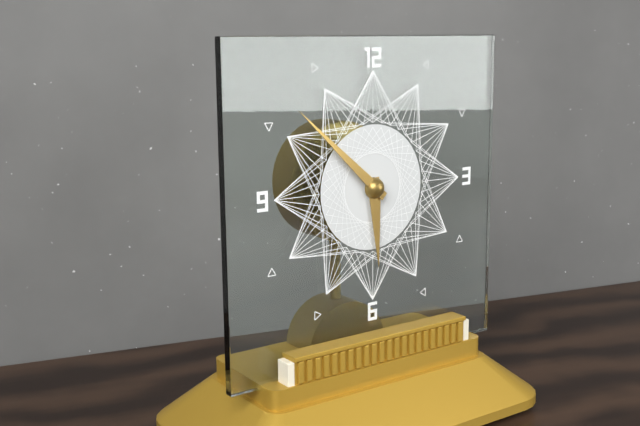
5:52
